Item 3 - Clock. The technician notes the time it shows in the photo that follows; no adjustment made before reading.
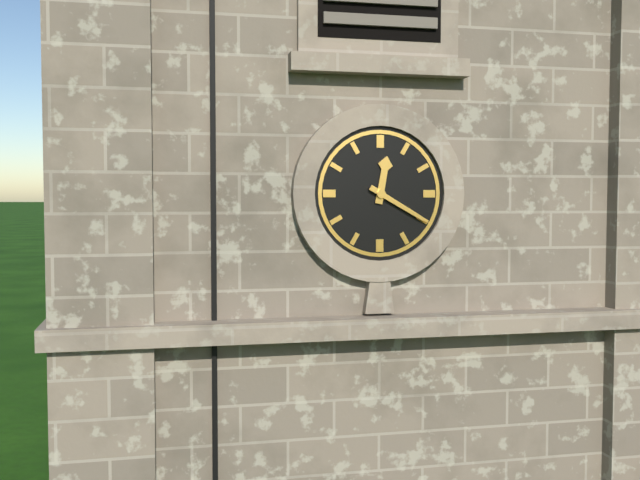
12:20
